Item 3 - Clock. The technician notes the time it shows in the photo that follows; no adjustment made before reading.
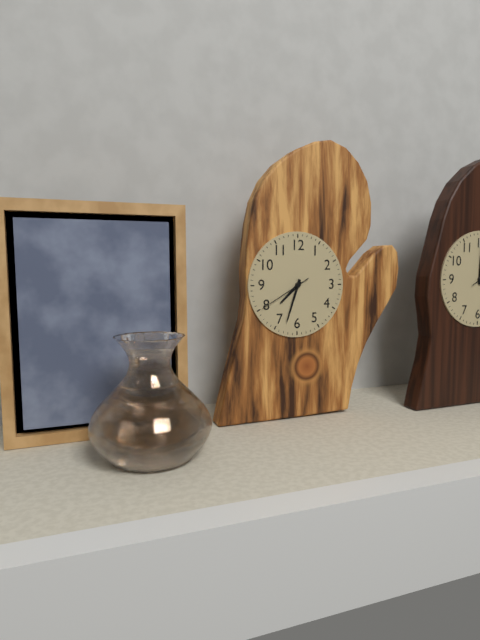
7:33:40
